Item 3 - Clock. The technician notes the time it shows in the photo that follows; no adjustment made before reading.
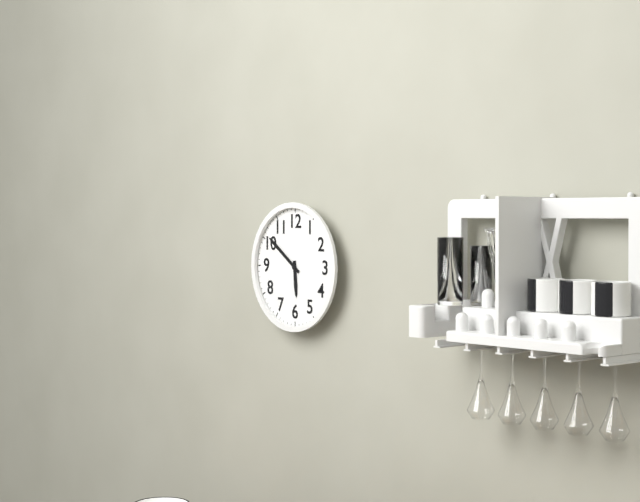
5:51
